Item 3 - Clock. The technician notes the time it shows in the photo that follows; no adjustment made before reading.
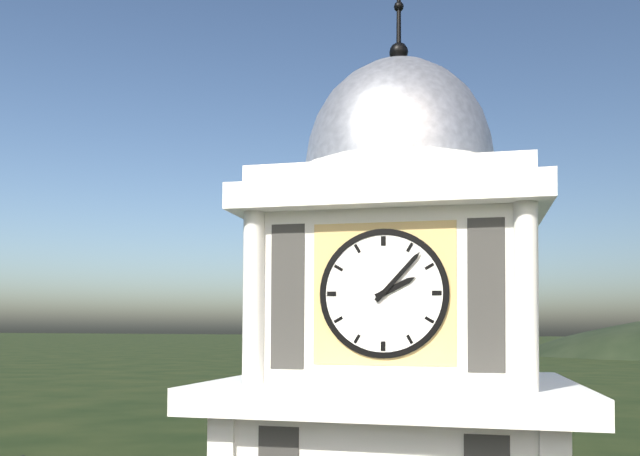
2:07
